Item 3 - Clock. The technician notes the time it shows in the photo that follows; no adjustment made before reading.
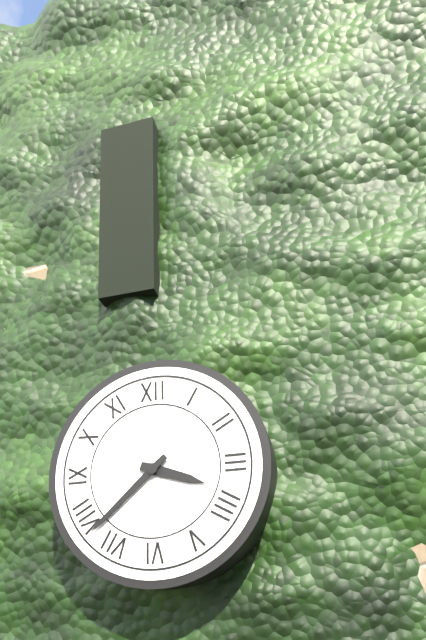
3:38
